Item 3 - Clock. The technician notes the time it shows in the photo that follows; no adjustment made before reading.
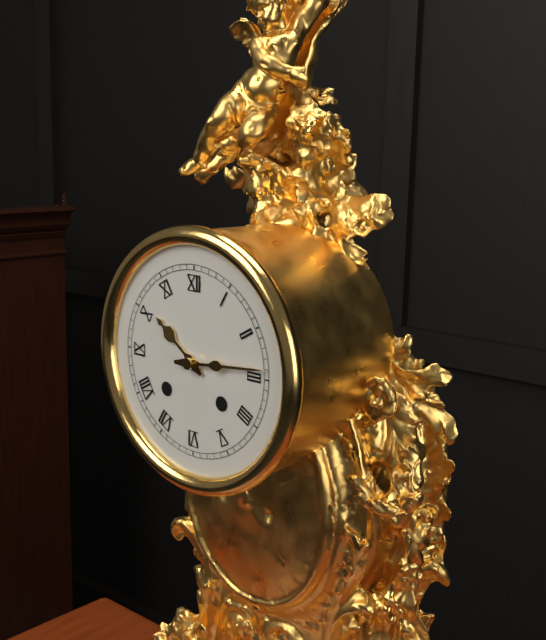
10:14
